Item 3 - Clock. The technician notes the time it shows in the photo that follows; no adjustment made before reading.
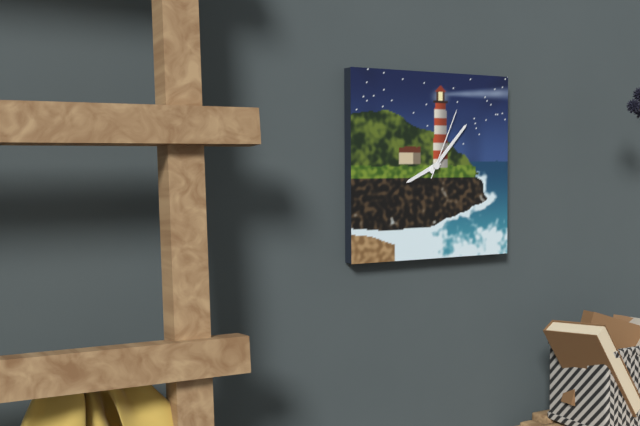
8:07:04
